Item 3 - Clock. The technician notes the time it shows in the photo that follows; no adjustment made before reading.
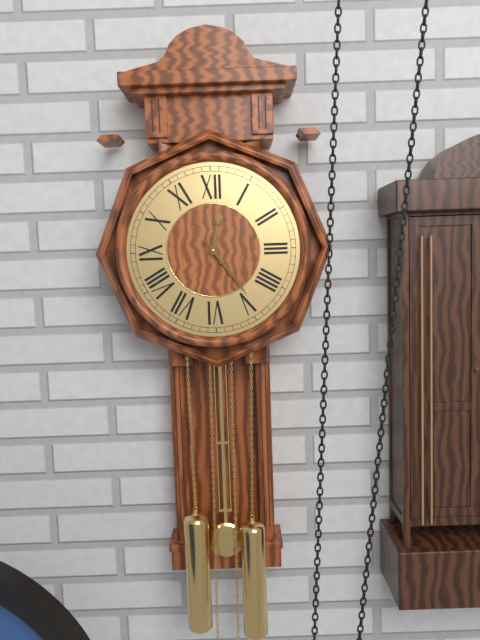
12:24
